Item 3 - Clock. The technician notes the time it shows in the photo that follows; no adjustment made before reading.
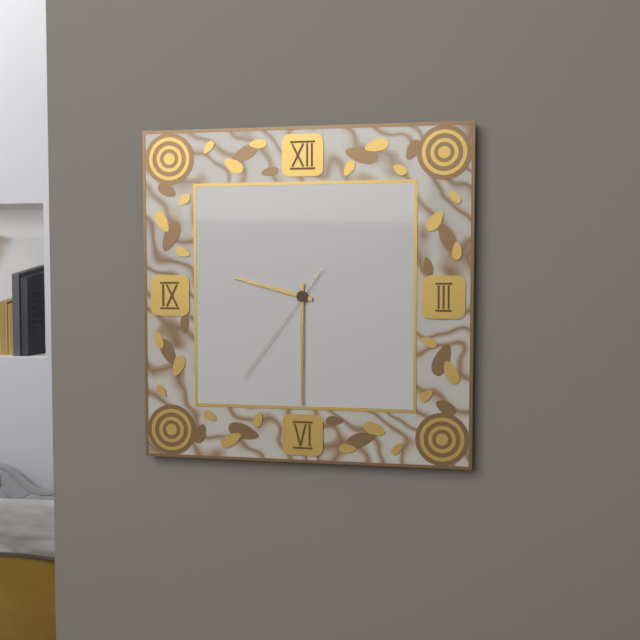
9:30:36
